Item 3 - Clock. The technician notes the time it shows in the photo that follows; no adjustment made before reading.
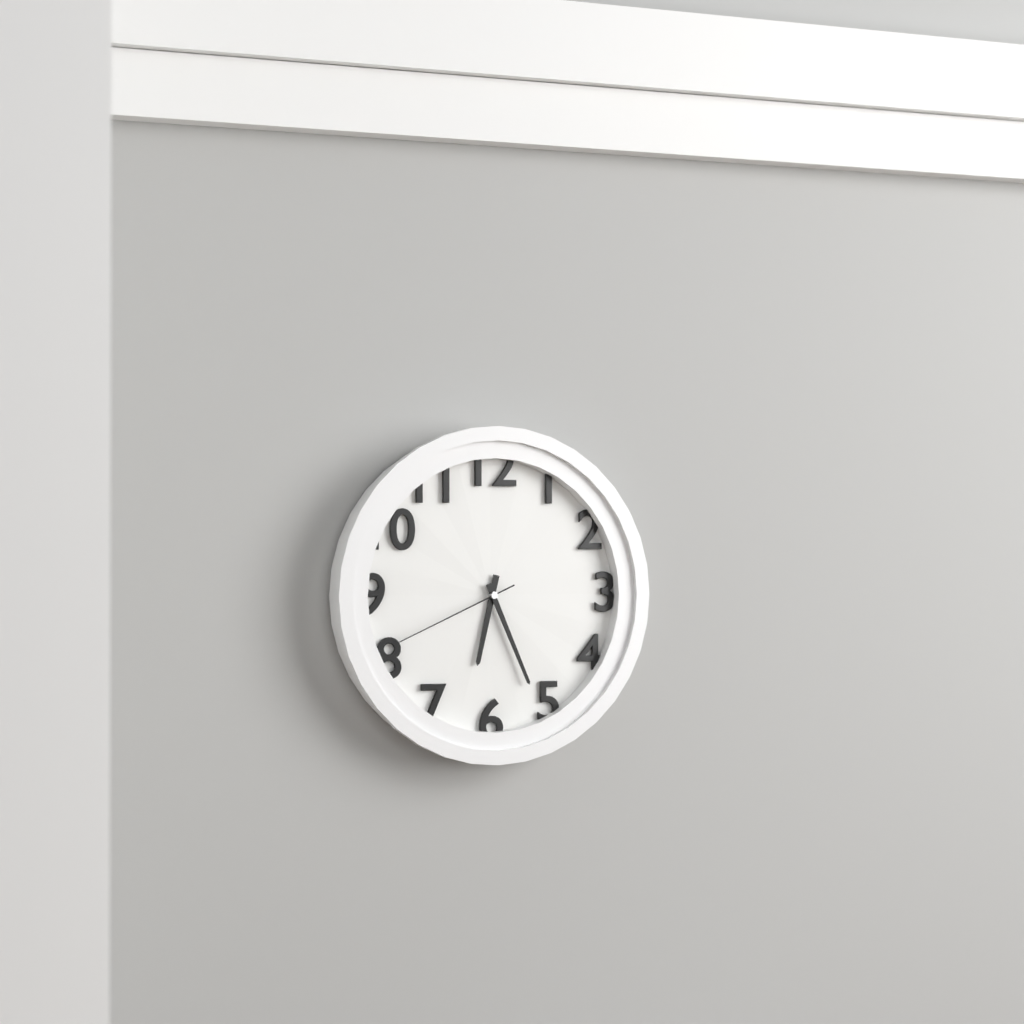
6:26:41
